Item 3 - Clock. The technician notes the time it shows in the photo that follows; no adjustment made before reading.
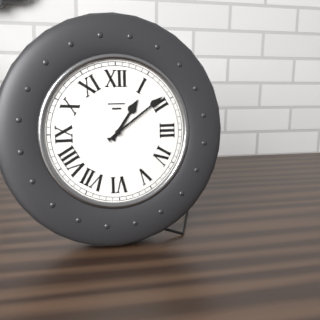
1:09
